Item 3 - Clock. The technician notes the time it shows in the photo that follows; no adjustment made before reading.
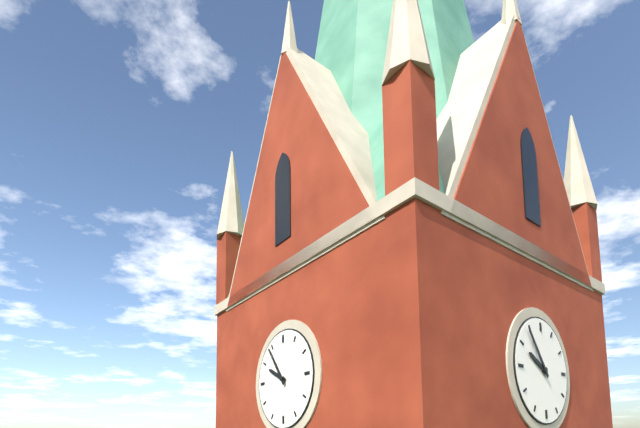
9:54
